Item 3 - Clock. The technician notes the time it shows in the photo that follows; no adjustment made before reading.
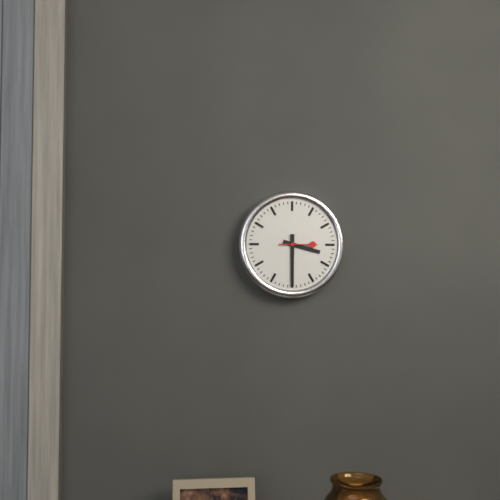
3:30
